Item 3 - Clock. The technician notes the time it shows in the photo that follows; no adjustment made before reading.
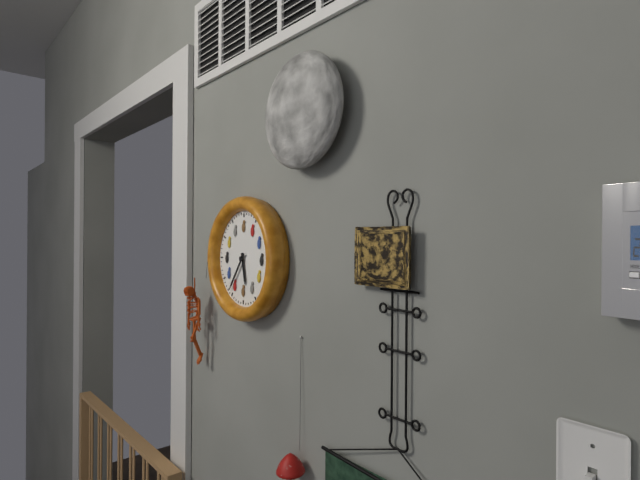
5:36
